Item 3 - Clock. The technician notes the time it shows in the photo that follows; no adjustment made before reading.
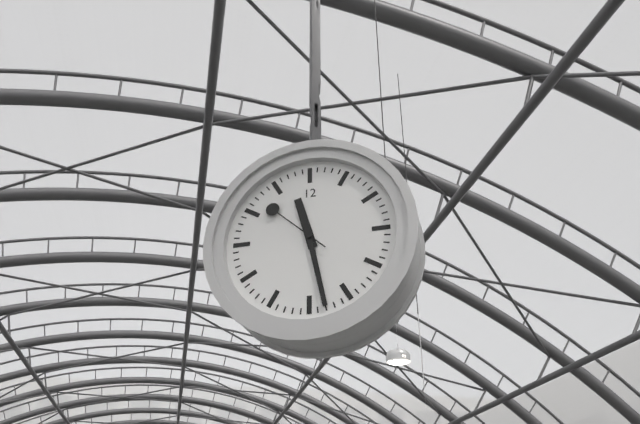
11:28:52
